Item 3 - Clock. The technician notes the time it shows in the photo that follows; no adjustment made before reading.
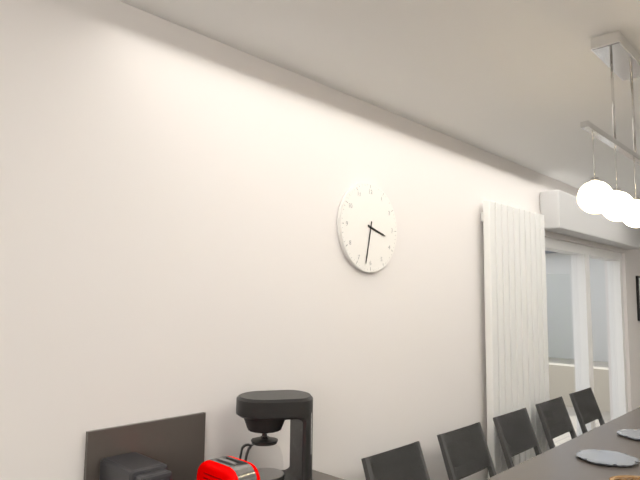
3:32
